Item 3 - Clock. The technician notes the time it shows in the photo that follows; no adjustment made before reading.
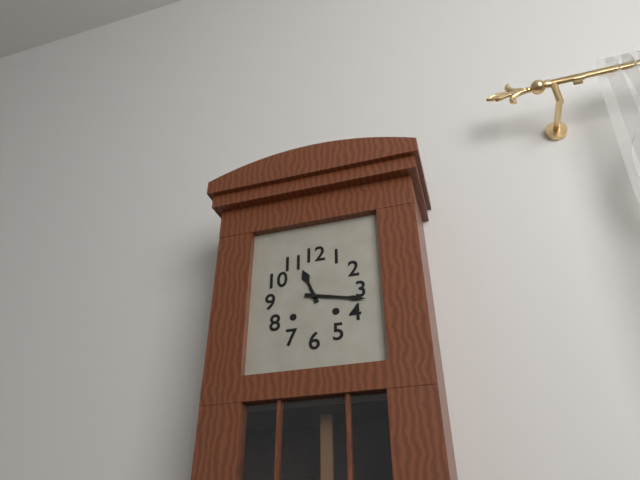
11:17
